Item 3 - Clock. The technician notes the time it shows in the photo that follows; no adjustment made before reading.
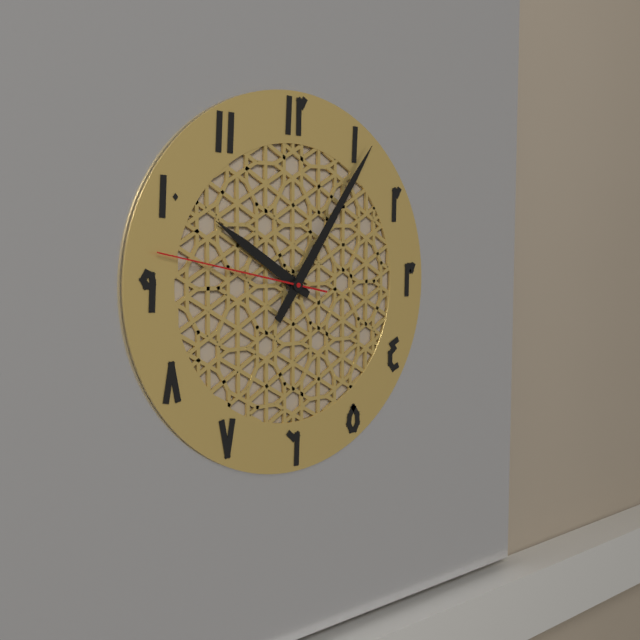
10:06:47
